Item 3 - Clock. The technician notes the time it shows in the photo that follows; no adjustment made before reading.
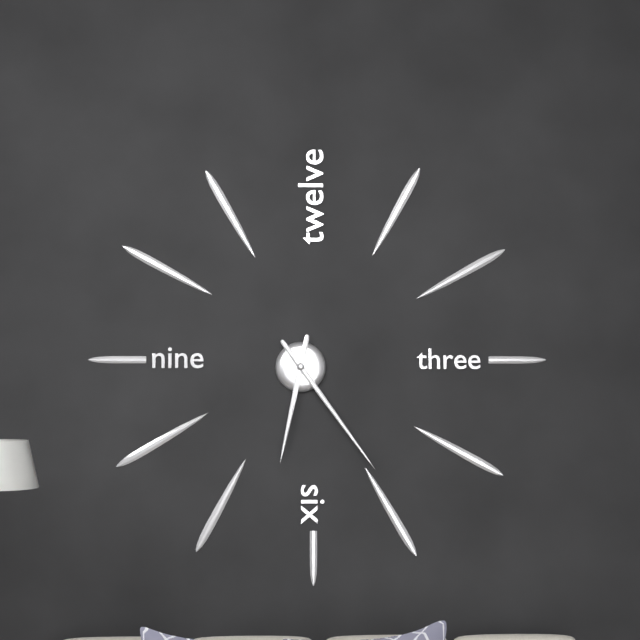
6:24
